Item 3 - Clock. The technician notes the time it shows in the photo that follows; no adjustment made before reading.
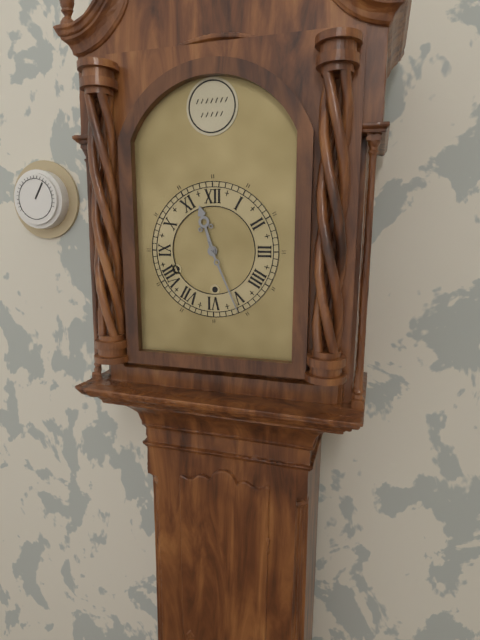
11:26
